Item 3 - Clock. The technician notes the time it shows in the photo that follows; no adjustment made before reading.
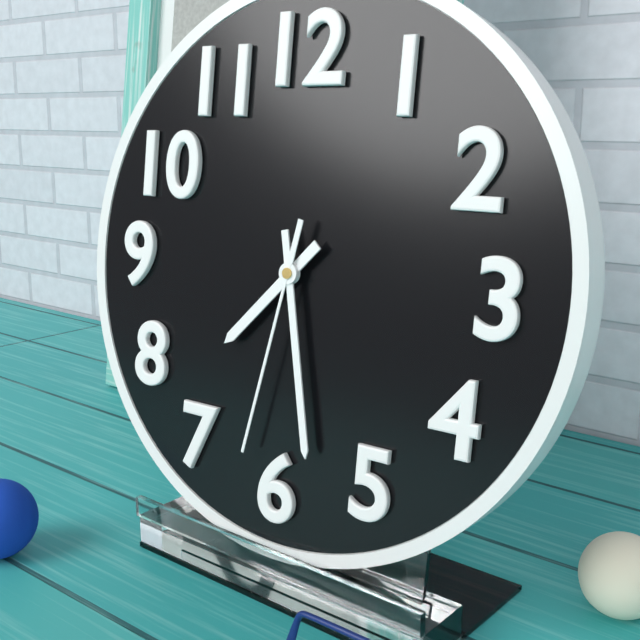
7:28:32
